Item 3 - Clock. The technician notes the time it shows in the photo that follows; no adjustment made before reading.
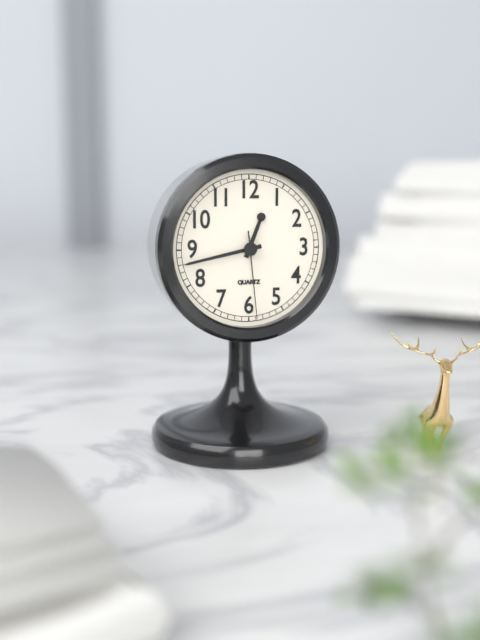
12:43:29
